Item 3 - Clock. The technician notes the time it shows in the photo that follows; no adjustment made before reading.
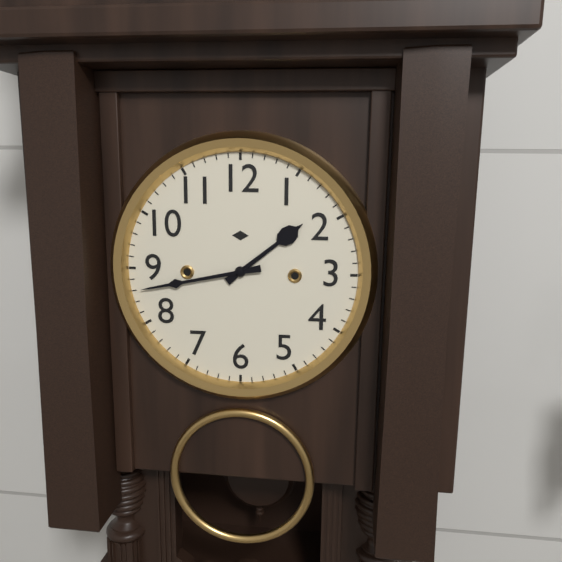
1:43
